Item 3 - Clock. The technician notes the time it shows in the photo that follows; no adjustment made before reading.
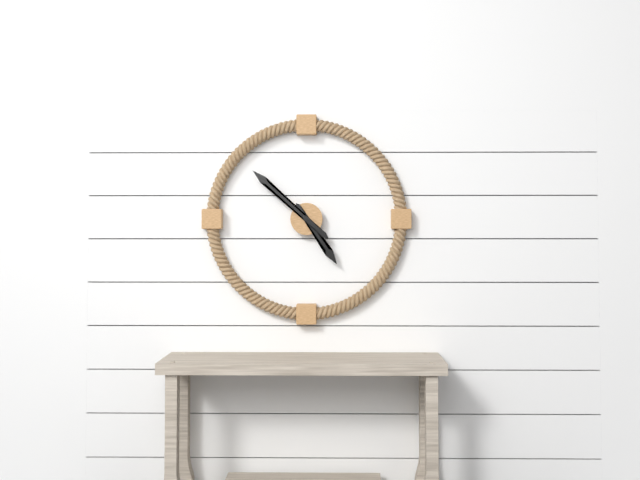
4:52
